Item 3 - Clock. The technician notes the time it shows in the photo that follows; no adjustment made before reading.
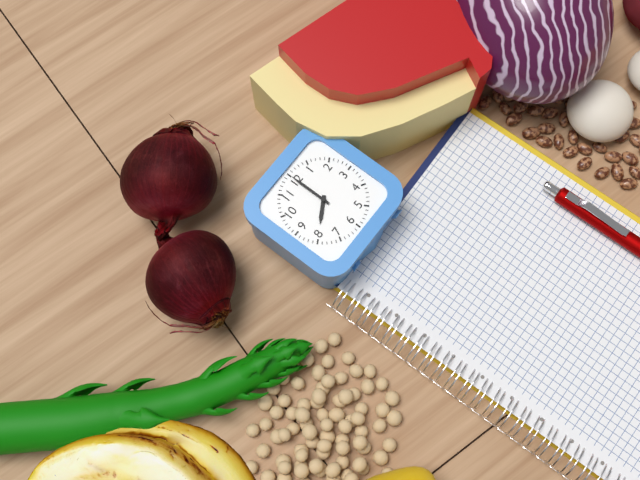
8:00
